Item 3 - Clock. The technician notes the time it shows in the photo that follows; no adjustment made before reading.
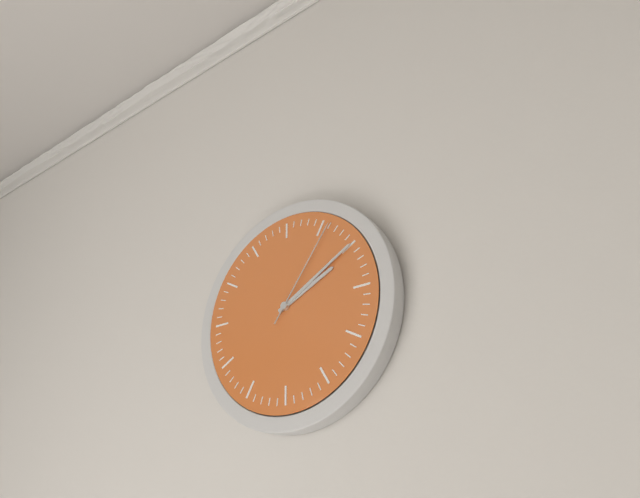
2:10:06
